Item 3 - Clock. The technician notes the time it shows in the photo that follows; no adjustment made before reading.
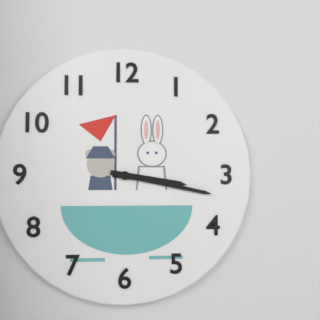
3:17
